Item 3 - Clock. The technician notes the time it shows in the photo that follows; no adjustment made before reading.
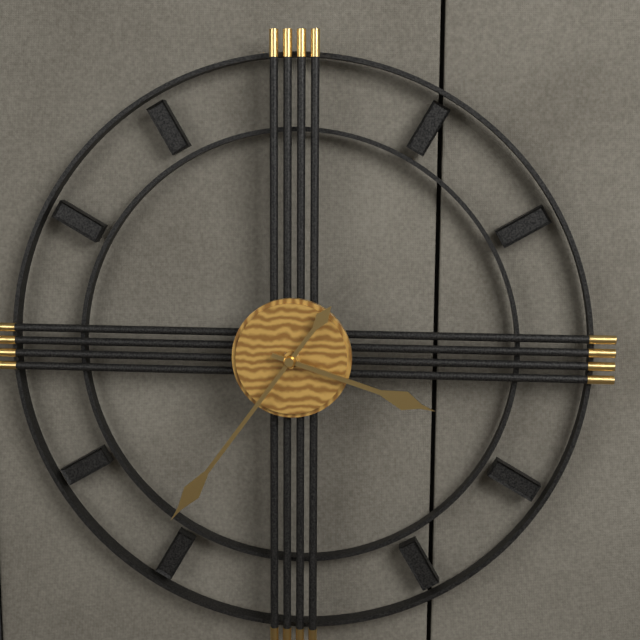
3:36
